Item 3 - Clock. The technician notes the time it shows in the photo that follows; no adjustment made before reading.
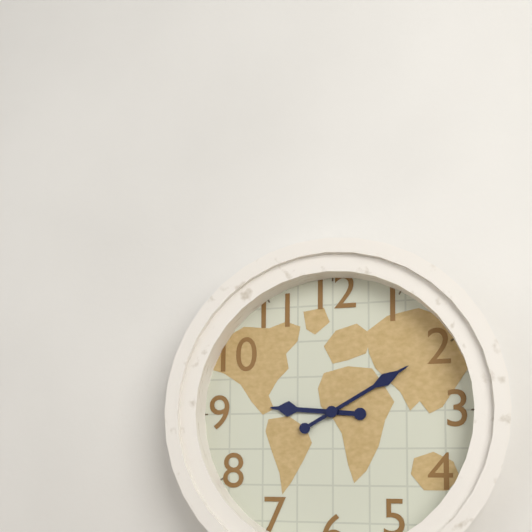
9:10
